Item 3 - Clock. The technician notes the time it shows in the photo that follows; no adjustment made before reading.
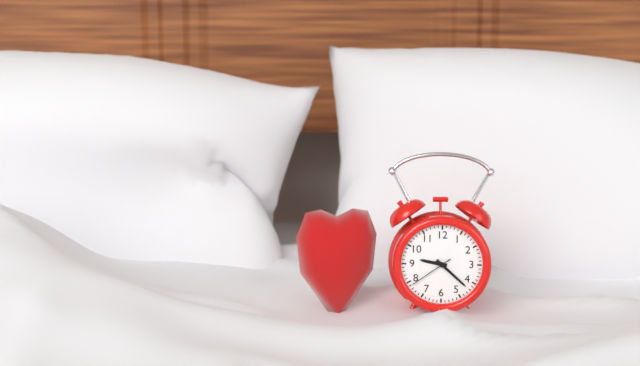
9:22
